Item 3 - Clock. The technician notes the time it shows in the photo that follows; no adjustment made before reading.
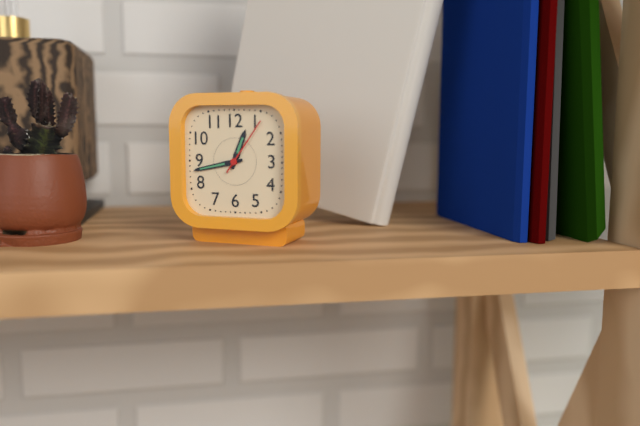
12:43:06
